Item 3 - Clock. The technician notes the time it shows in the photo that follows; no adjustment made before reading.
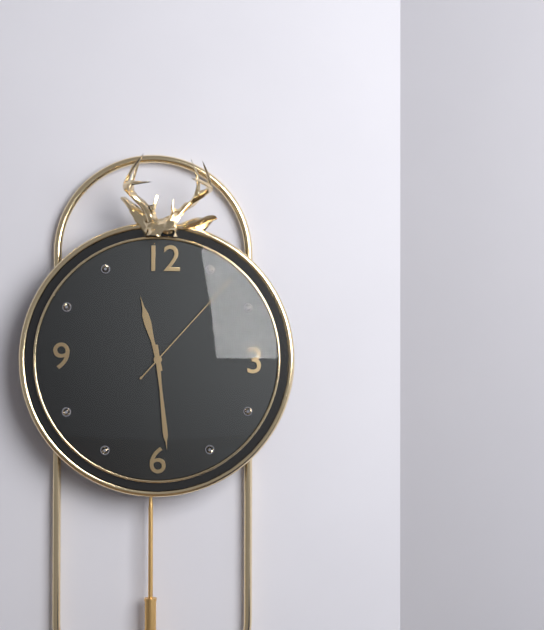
11:29:07
